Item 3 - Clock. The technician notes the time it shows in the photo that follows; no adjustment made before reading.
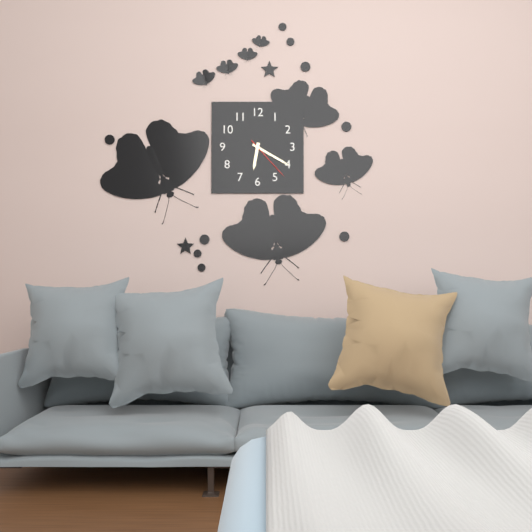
6:20:23
